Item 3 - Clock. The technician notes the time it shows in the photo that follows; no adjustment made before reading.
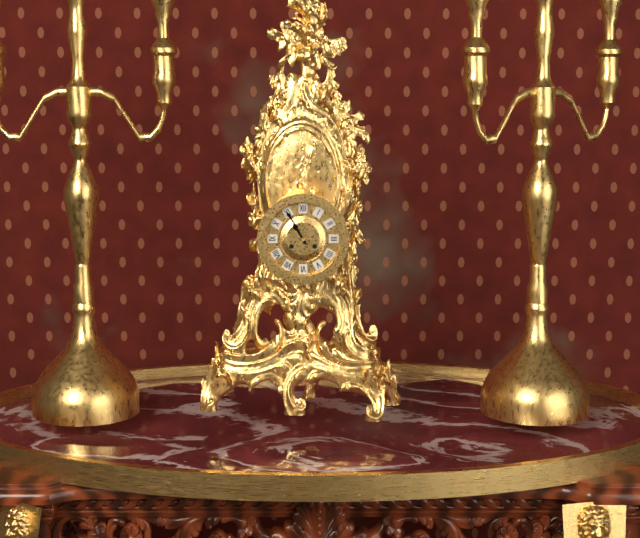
10:55
